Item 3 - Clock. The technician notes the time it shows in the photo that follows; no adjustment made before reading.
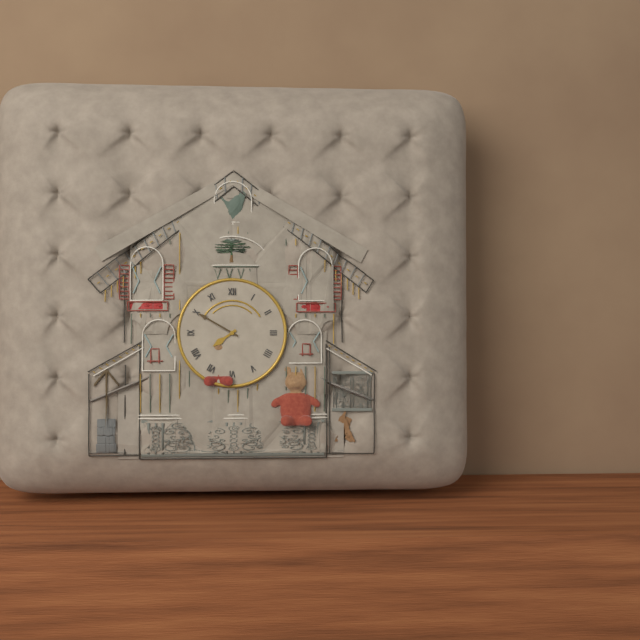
7:50
